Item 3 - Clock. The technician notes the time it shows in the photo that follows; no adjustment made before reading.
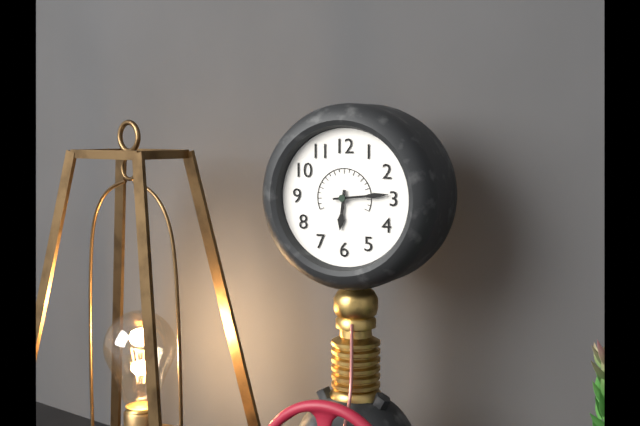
6:14
